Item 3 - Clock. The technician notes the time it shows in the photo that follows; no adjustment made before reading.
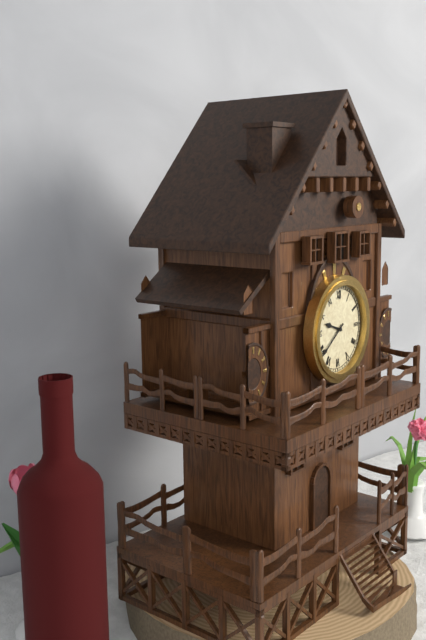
9:39
